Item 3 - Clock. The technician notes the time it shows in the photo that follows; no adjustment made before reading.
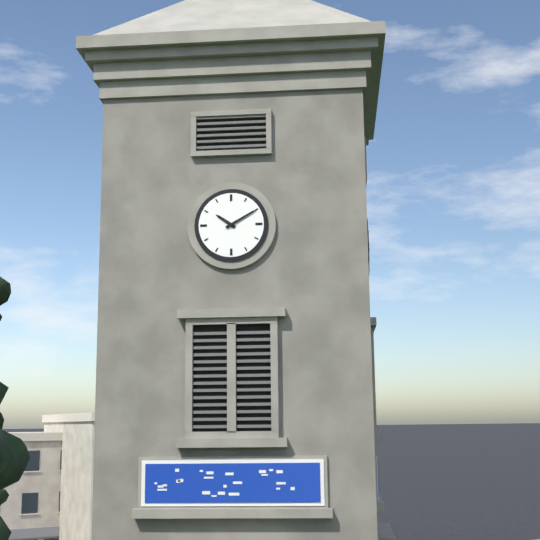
10:10
